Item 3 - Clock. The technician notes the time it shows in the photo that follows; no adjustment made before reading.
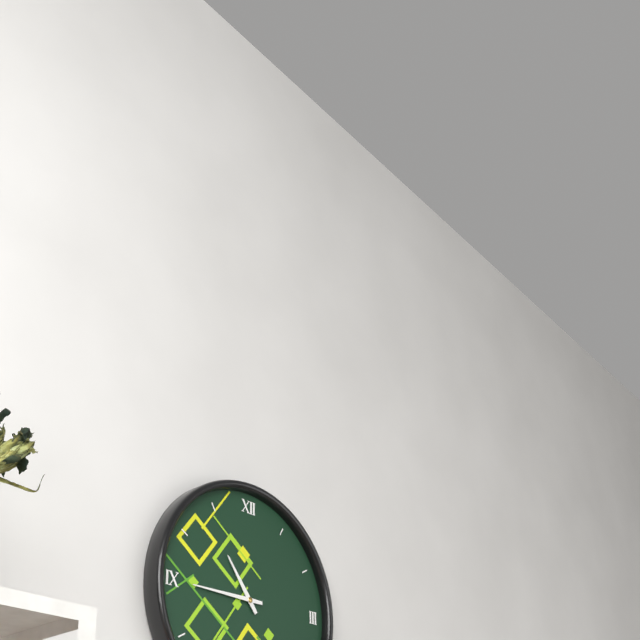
10:45
